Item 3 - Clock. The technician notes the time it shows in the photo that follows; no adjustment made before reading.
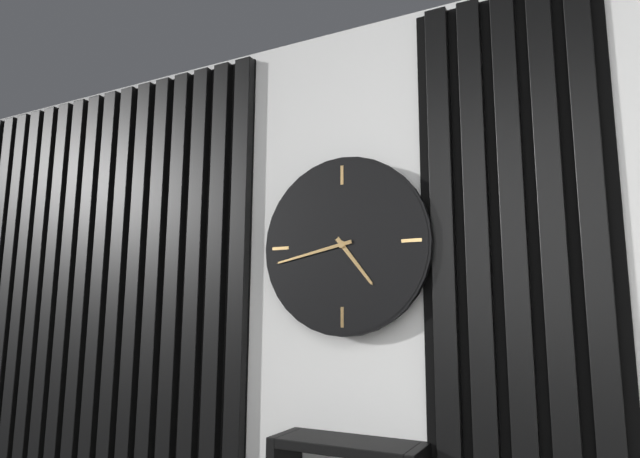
4:43
